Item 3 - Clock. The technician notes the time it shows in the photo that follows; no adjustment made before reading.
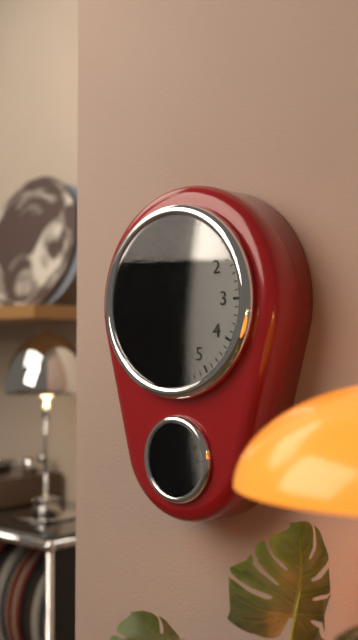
8:37:52
